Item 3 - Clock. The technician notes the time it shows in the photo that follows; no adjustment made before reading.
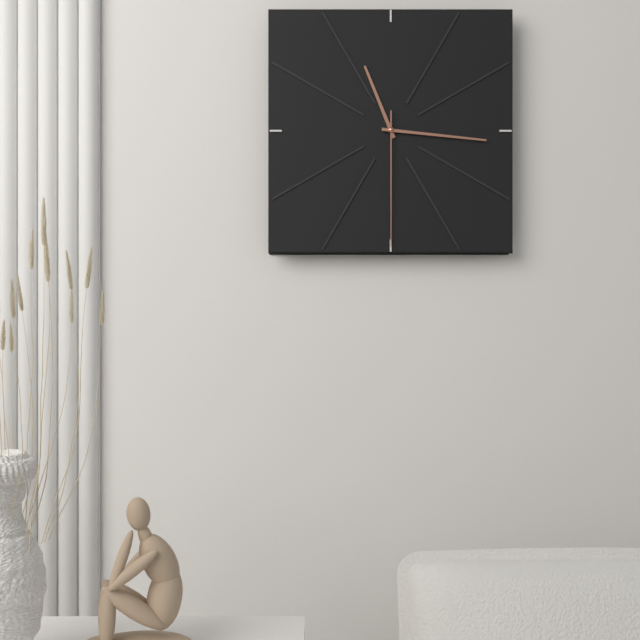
11:16:30
